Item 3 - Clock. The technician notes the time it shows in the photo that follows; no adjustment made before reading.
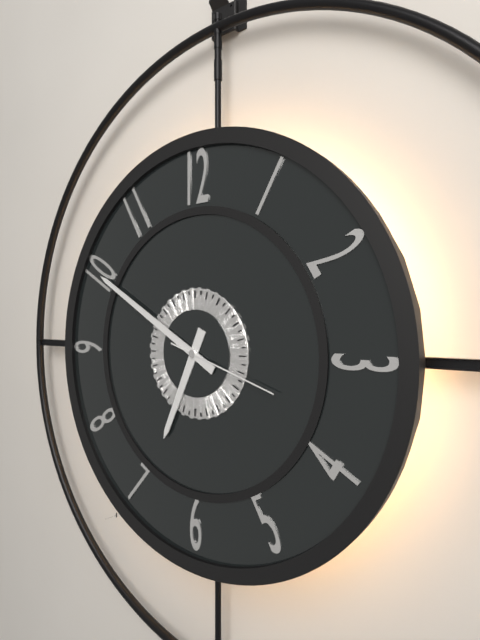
6:50:18
